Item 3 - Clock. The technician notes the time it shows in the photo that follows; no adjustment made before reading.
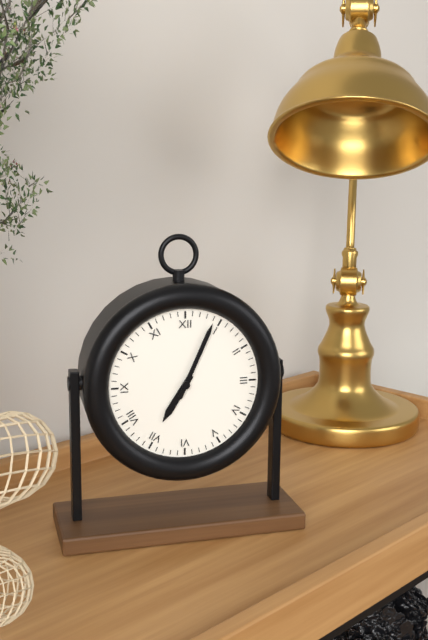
7:04
